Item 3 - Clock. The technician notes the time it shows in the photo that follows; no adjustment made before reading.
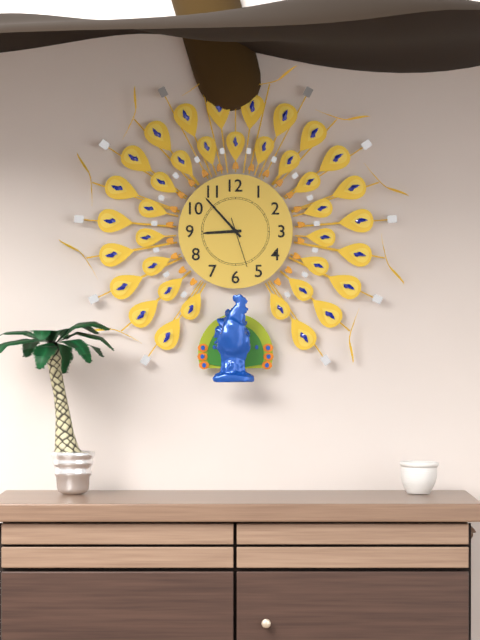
8:53
